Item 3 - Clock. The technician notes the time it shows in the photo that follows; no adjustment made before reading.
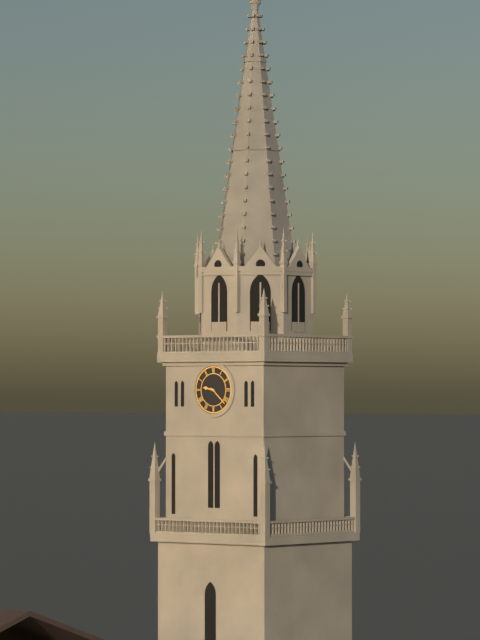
9:22
